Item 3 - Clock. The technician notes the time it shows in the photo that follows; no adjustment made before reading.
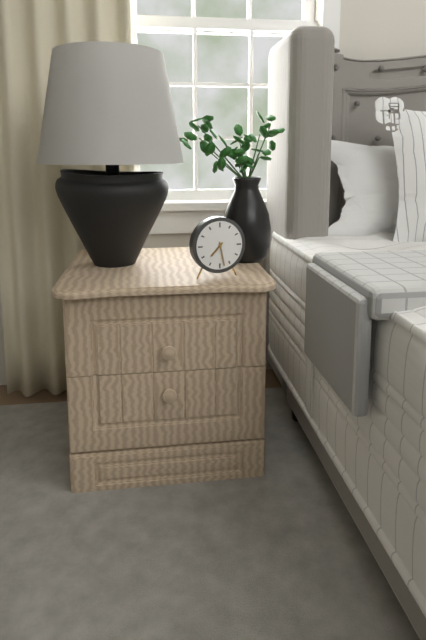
7:28
